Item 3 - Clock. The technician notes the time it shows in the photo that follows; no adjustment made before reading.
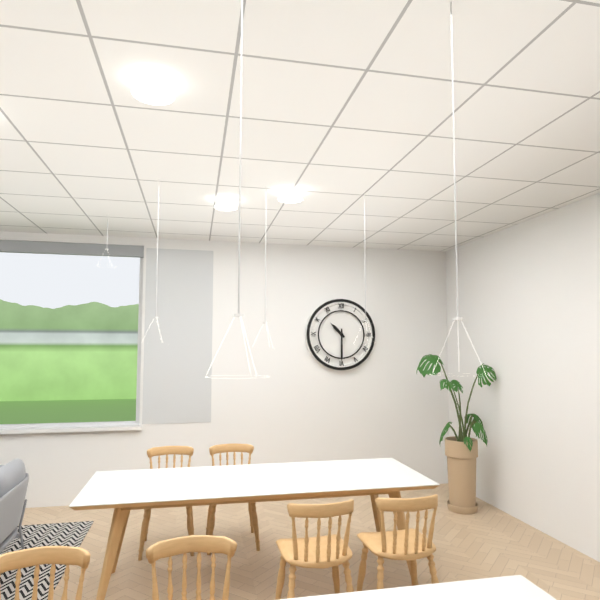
10:30
